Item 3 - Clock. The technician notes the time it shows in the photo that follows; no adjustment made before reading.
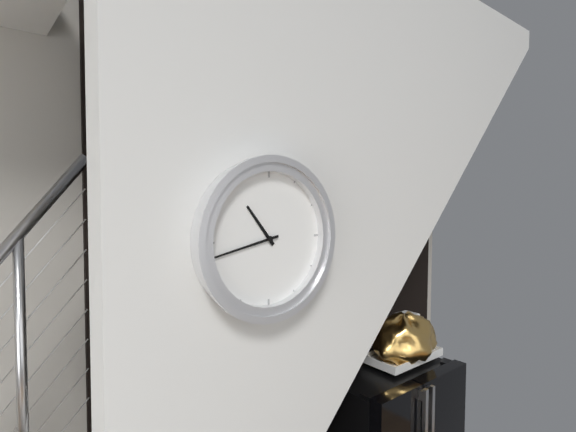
10:43
